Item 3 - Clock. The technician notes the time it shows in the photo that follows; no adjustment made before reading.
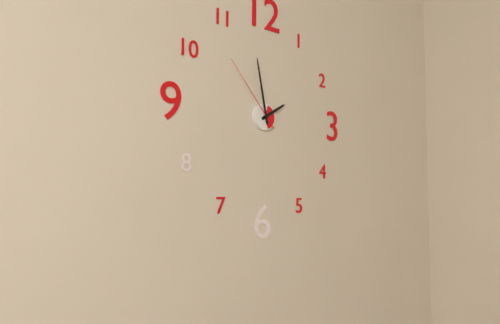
1:58:53
